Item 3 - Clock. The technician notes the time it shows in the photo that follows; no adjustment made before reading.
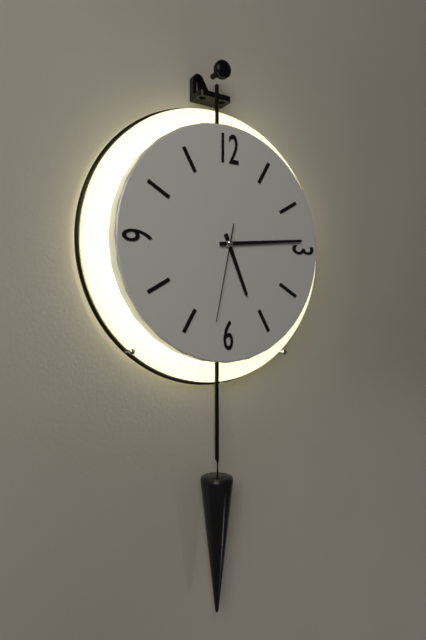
5:14:32
